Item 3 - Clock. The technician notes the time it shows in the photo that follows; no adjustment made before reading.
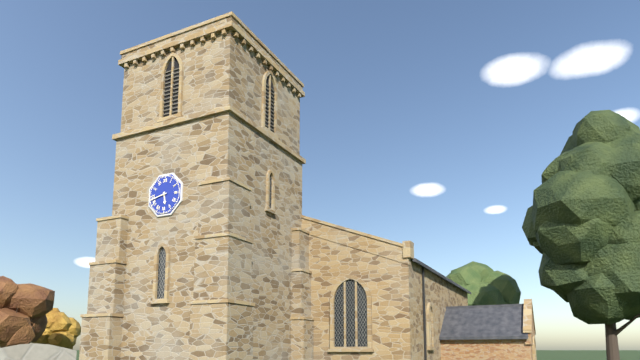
5:43
